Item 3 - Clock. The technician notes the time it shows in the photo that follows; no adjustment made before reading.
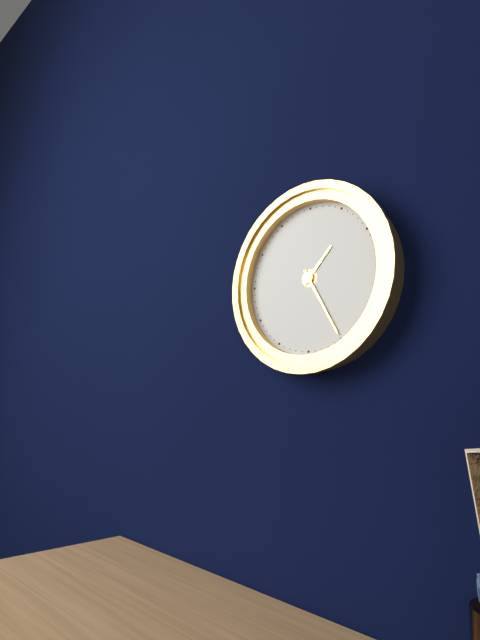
1:25
